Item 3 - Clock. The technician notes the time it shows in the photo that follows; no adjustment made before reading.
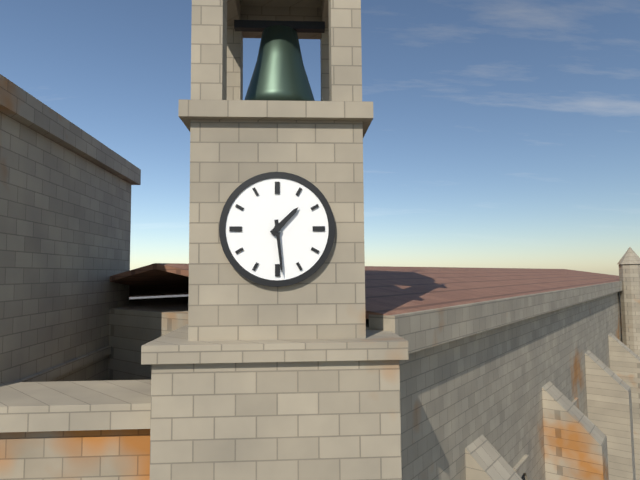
1:29
